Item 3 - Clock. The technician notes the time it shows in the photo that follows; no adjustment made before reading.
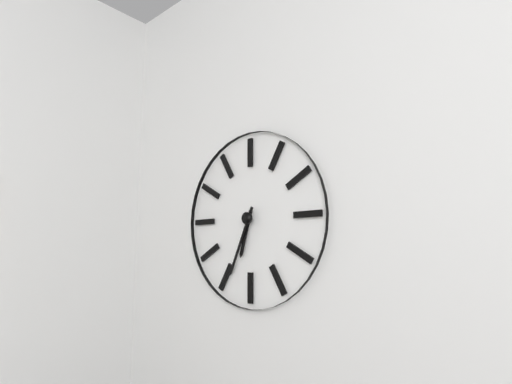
6:34
